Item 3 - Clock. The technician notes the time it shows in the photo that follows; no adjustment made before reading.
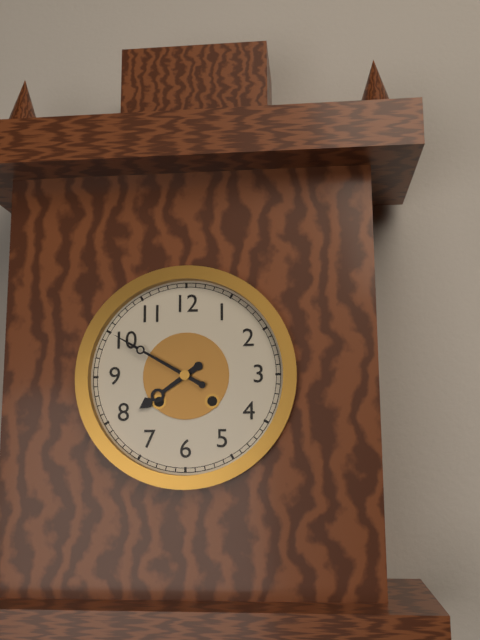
7:50
